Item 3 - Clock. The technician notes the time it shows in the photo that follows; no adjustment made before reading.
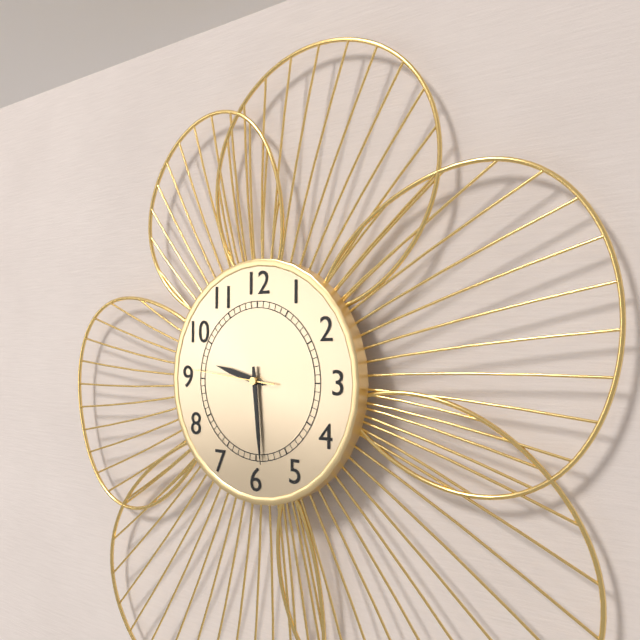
9:29:46
